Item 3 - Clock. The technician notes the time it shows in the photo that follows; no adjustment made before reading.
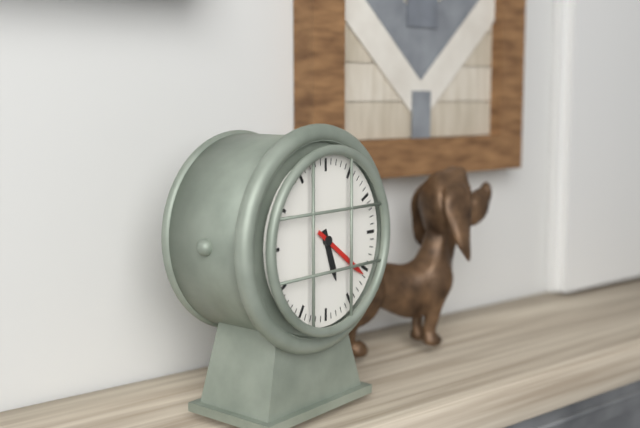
5:21
